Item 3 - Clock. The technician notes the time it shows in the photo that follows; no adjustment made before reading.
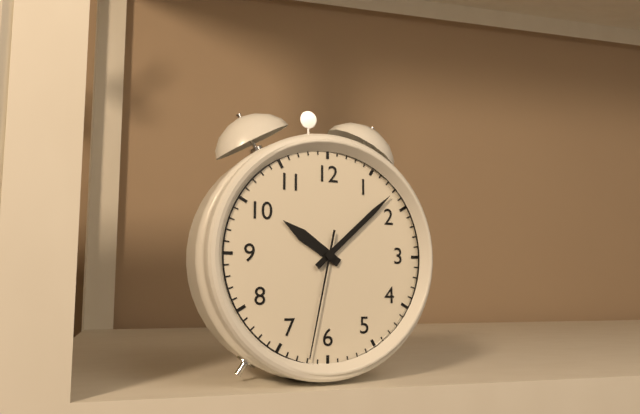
10:08:32
